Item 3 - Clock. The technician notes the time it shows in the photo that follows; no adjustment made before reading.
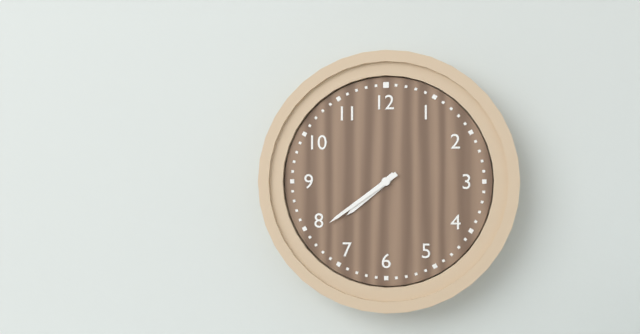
7:39
